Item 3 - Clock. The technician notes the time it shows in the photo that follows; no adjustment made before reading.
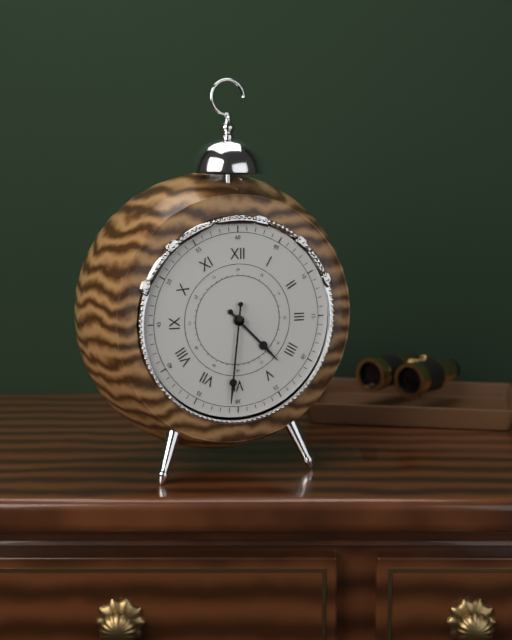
4:31
